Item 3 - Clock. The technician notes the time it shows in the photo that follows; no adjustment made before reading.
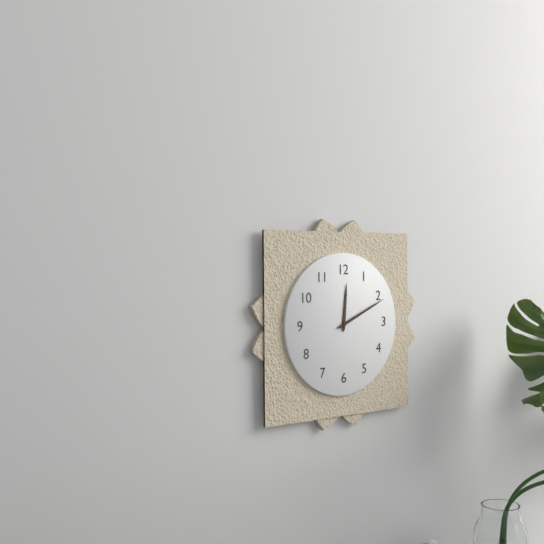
12:11
